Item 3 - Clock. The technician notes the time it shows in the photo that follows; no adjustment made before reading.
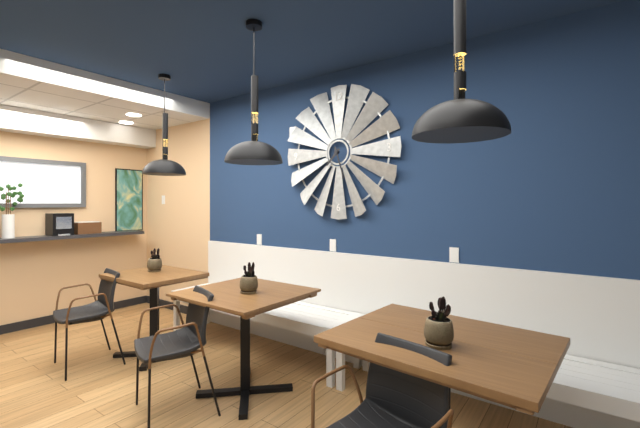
7:27
